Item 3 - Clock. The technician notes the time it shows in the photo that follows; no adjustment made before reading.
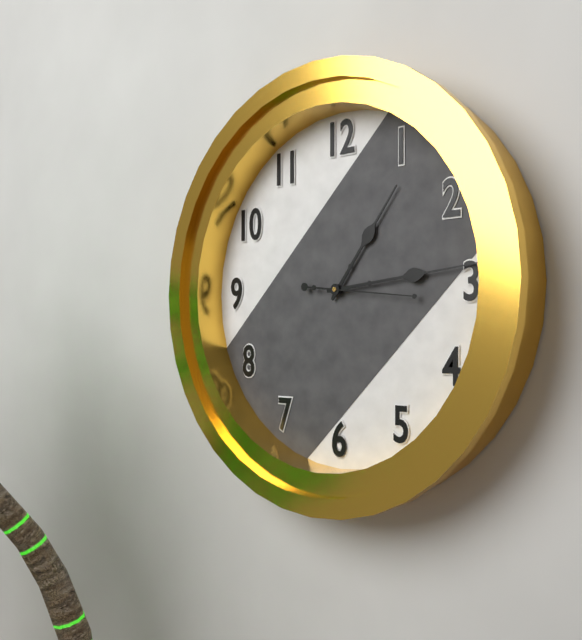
1:14:16
